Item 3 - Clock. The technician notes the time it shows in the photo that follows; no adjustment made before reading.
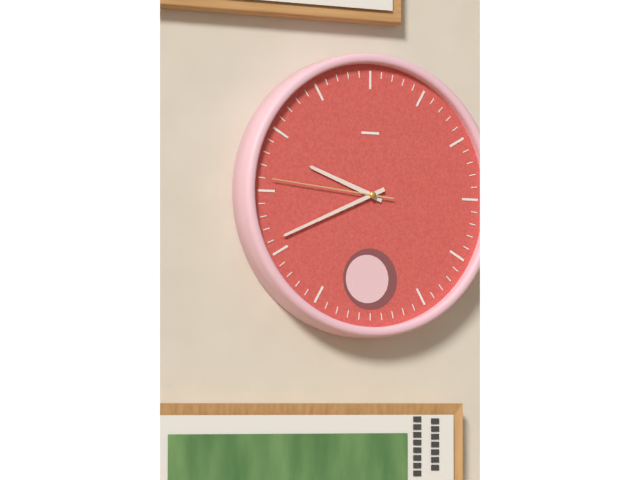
9:41:46
